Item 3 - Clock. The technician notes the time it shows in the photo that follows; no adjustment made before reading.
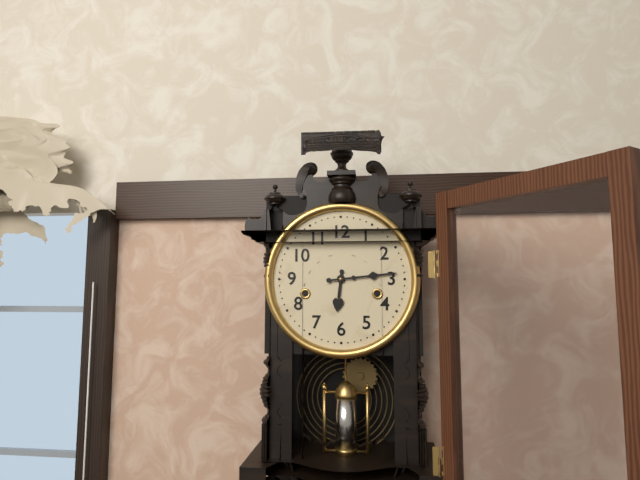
6:14
